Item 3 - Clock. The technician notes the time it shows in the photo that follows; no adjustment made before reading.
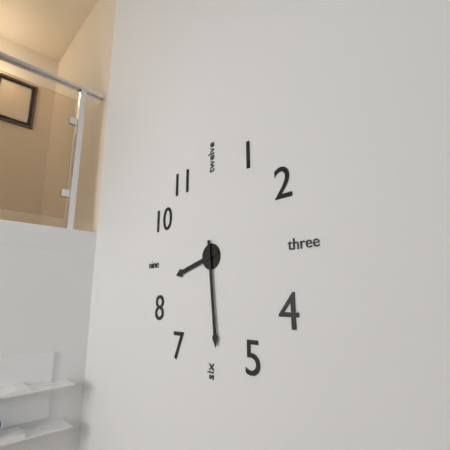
8:29
